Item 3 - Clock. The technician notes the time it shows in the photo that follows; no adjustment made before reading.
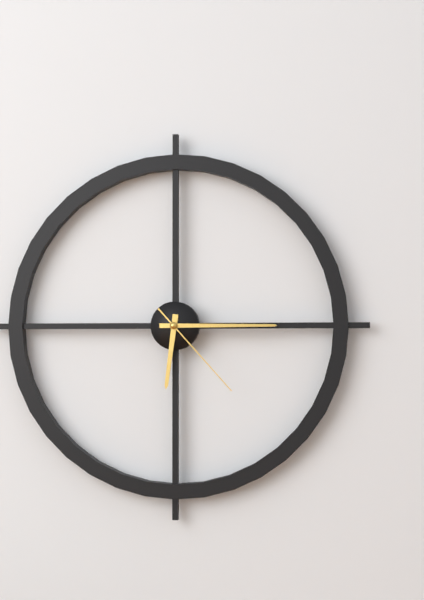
6:15:23
